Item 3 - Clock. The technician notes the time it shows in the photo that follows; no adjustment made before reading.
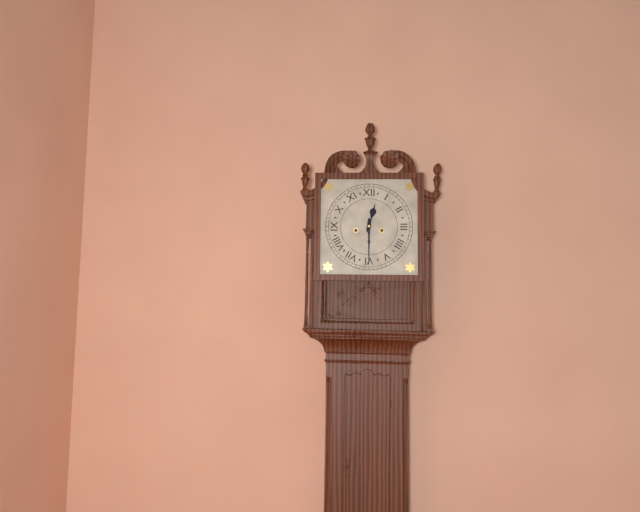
12:30
